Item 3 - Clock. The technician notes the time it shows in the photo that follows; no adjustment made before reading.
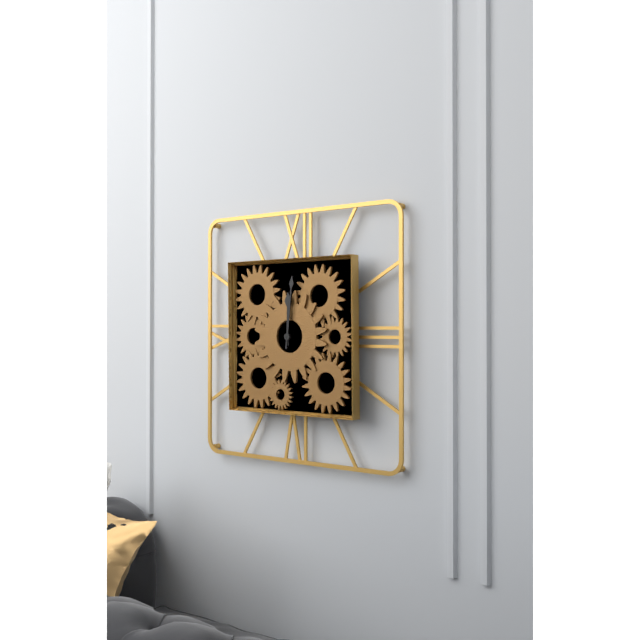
12:01
